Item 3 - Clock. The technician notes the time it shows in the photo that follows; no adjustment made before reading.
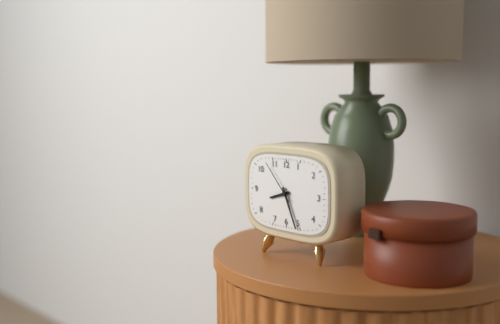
8:26
